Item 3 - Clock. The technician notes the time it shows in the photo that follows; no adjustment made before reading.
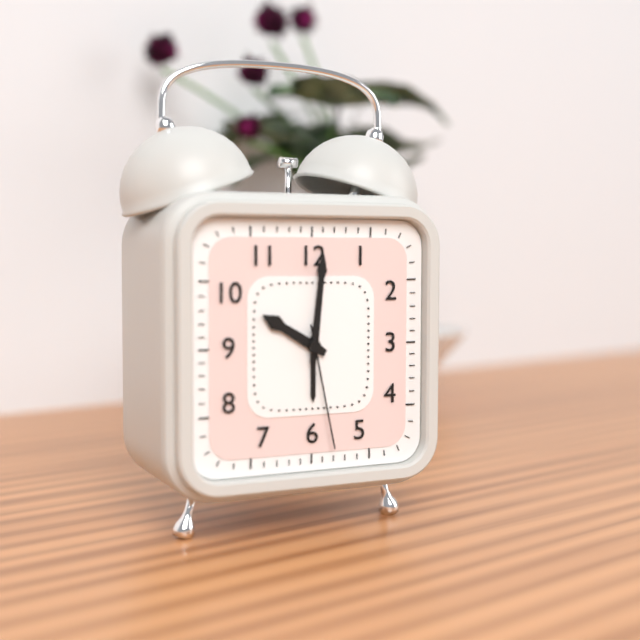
10:01:28
